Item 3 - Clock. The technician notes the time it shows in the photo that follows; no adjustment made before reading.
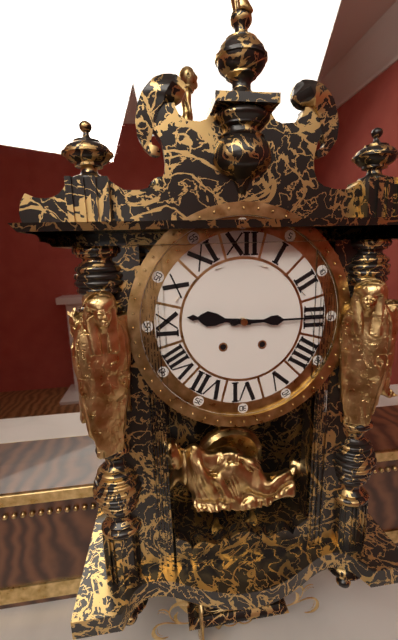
9:15
